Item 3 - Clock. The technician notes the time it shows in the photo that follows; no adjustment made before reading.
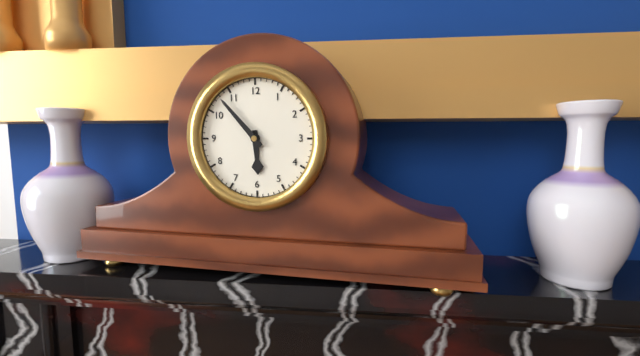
5:53
